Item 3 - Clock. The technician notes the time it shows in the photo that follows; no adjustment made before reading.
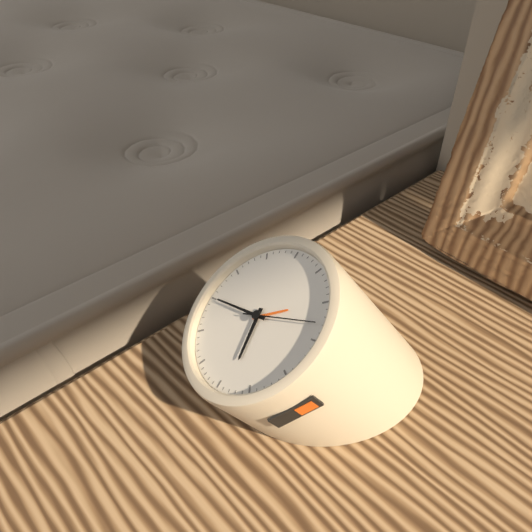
4:40:08
